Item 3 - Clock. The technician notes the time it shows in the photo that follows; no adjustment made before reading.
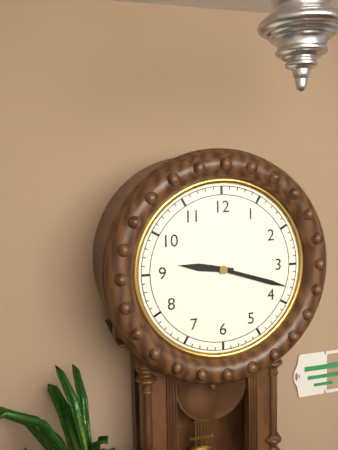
9:18
